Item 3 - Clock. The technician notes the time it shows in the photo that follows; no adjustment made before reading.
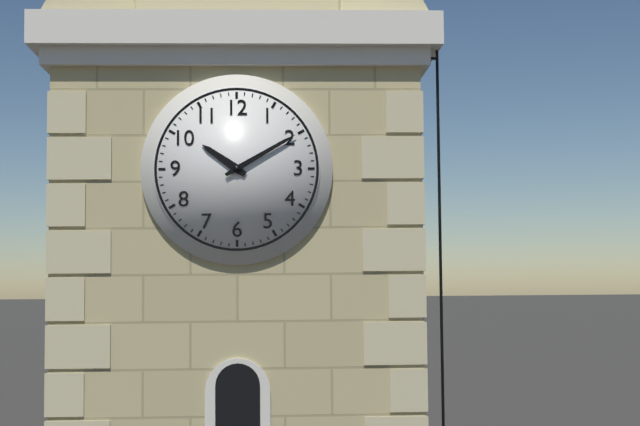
10:10
